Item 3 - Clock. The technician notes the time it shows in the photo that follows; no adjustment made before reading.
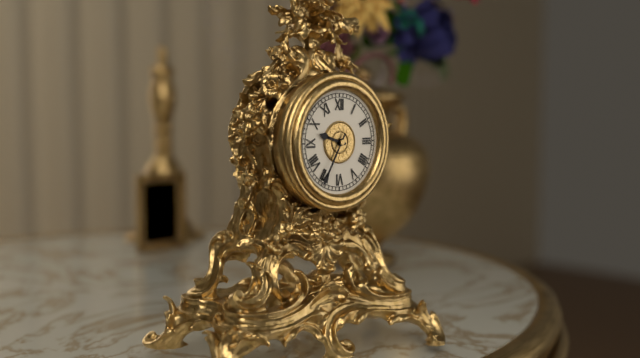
9:35
